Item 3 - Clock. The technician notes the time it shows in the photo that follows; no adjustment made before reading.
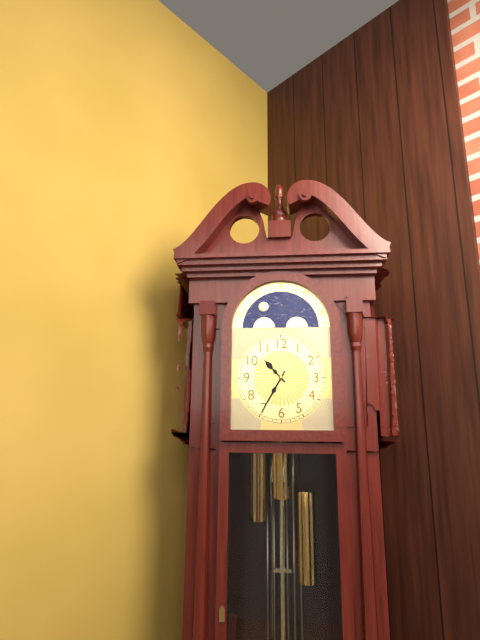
10:35
